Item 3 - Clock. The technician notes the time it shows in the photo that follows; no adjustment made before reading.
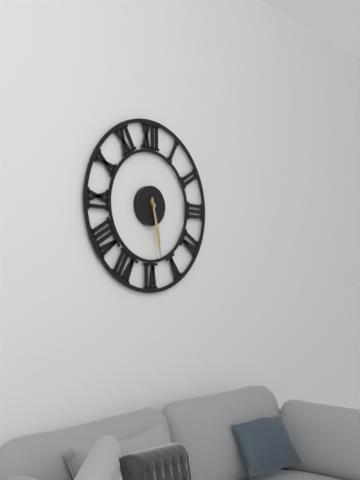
5:28
